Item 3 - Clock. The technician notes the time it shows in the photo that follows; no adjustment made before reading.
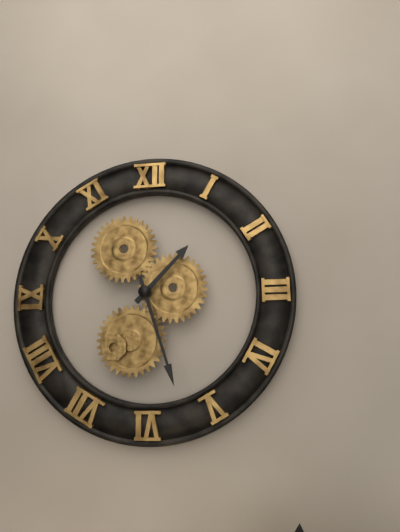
1:27
